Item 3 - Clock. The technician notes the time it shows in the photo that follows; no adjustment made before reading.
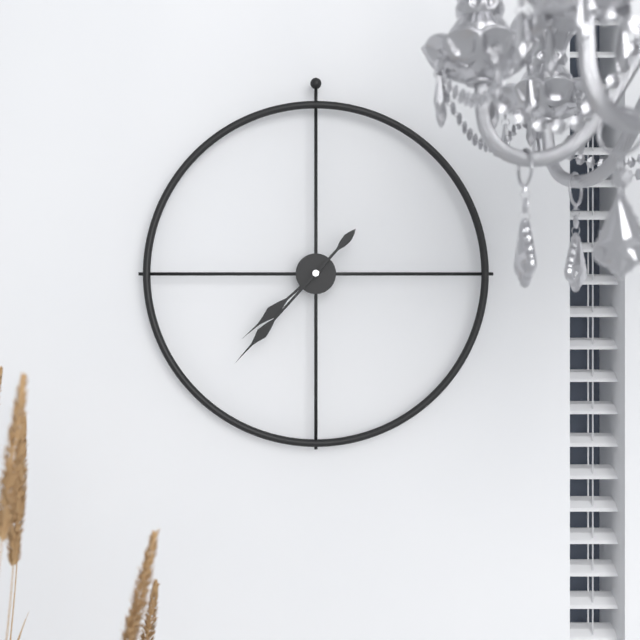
7:37
